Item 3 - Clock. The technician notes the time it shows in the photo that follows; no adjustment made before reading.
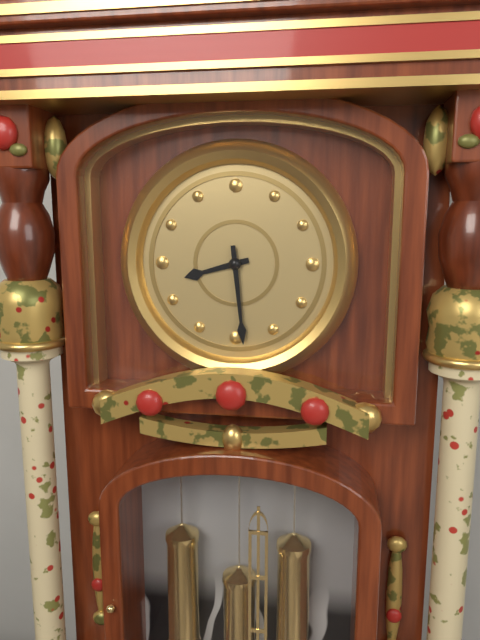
8:29
